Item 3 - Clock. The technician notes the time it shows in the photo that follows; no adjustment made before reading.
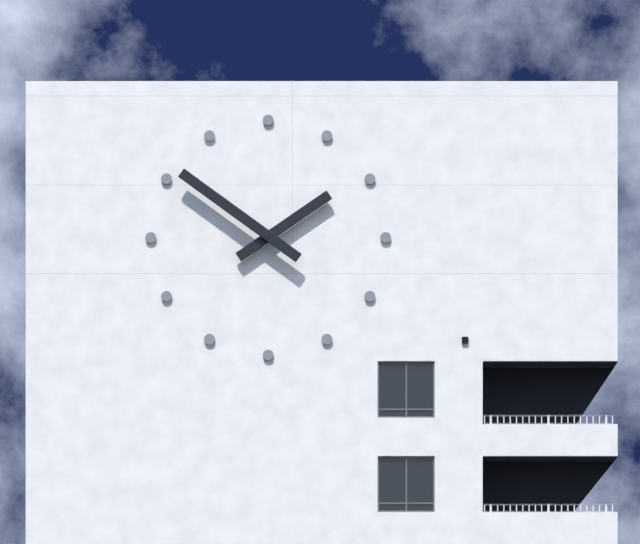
1:51
